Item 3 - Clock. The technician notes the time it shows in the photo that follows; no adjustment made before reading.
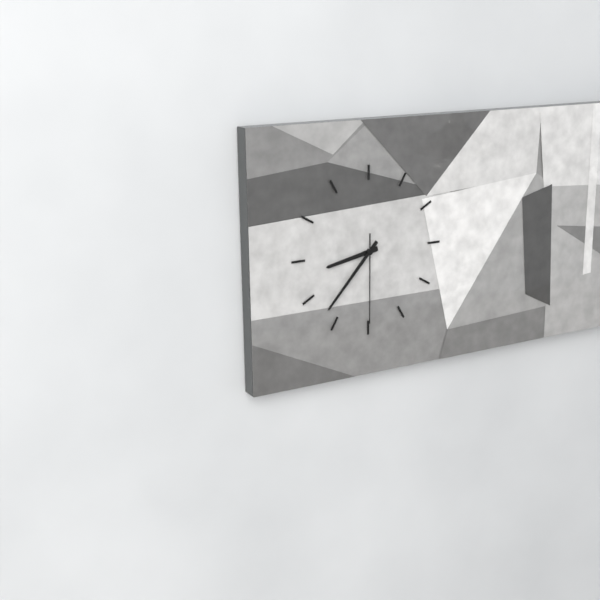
8:37:30
